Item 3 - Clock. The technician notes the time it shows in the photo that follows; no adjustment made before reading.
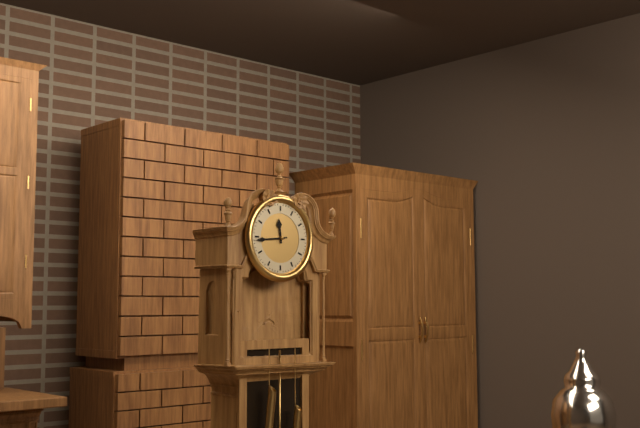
11:44
